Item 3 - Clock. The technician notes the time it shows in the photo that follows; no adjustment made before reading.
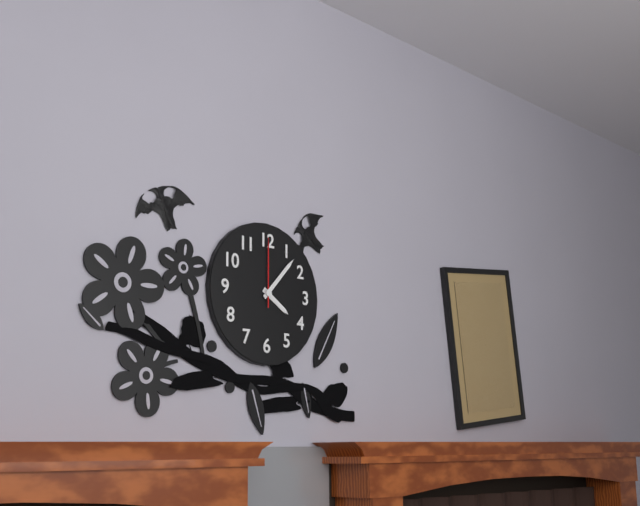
4:07:00
